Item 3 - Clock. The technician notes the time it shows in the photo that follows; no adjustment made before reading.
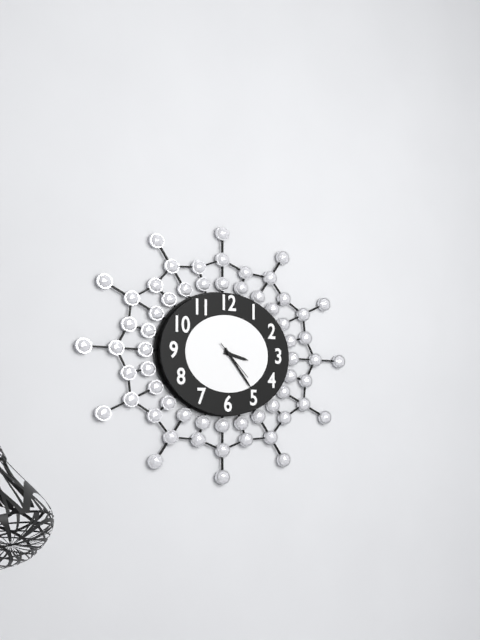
3:23
